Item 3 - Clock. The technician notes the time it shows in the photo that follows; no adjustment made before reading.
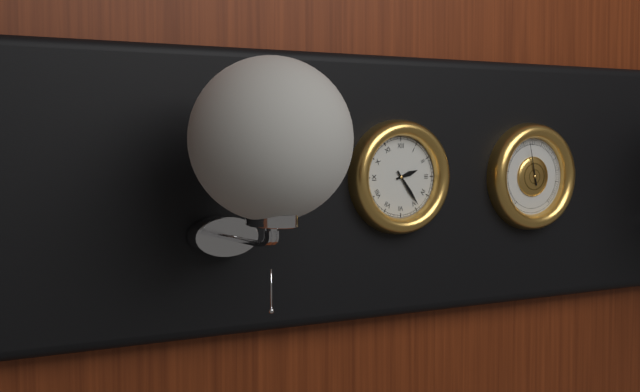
2:24
